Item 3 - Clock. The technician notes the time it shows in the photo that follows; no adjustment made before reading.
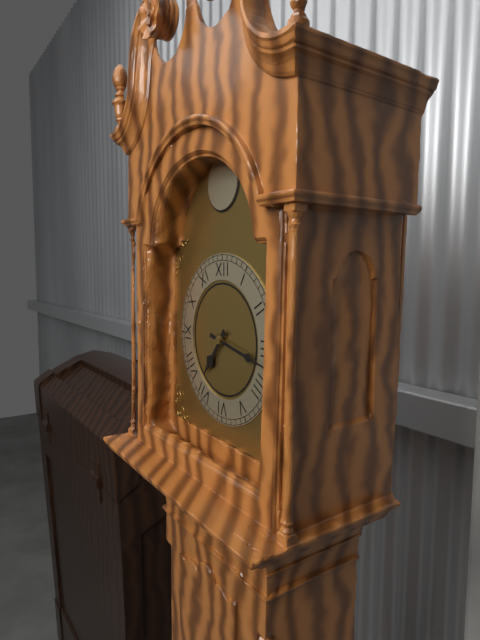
7:17
